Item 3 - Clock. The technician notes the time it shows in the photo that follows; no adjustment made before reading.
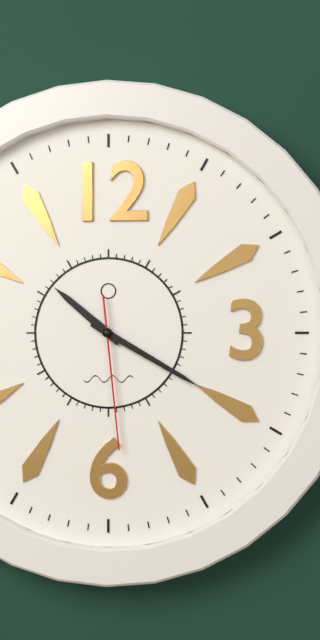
10:20:29
